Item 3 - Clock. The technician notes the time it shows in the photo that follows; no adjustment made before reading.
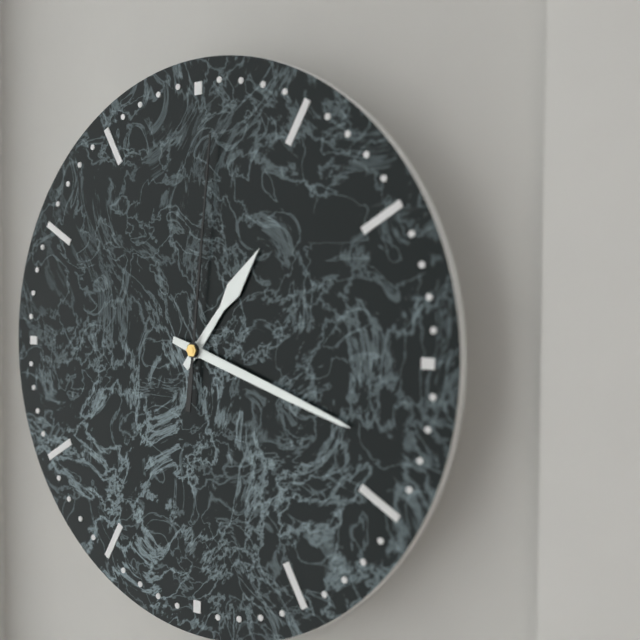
1:18:01
